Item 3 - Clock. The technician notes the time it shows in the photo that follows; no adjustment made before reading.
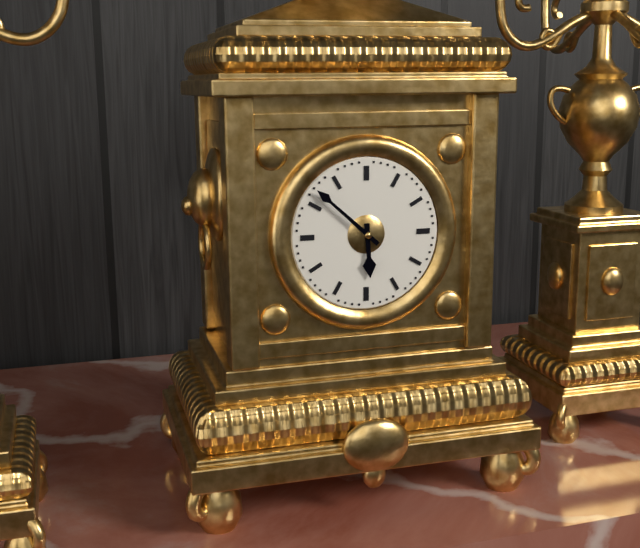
5:52
